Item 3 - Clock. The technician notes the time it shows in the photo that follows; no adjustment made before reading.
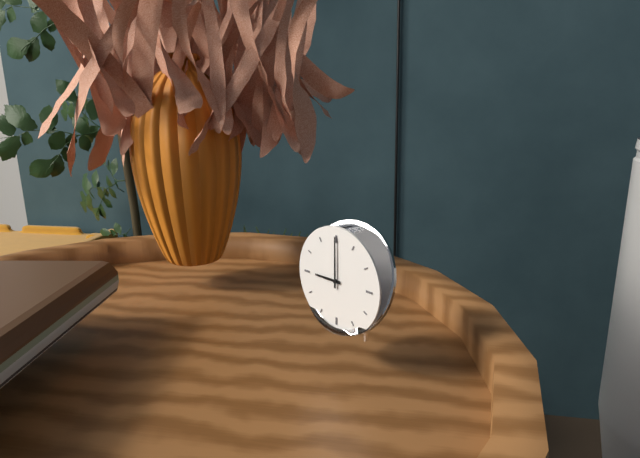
9:00
